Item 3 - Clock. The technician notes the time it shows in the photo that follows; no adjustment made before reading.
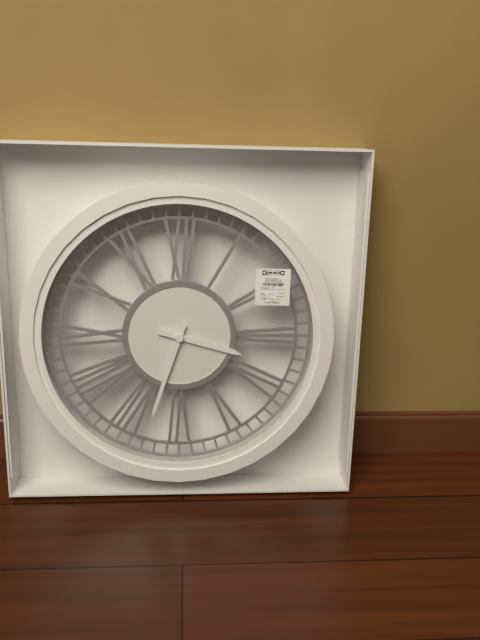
3:33
